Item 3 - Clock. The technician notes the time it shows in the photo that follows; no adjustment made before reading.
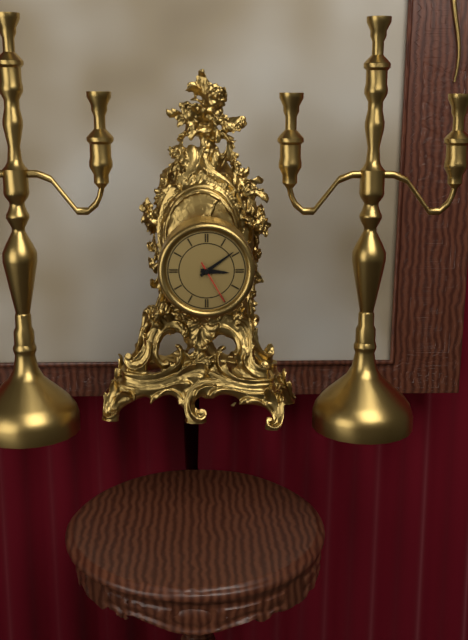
3:09
